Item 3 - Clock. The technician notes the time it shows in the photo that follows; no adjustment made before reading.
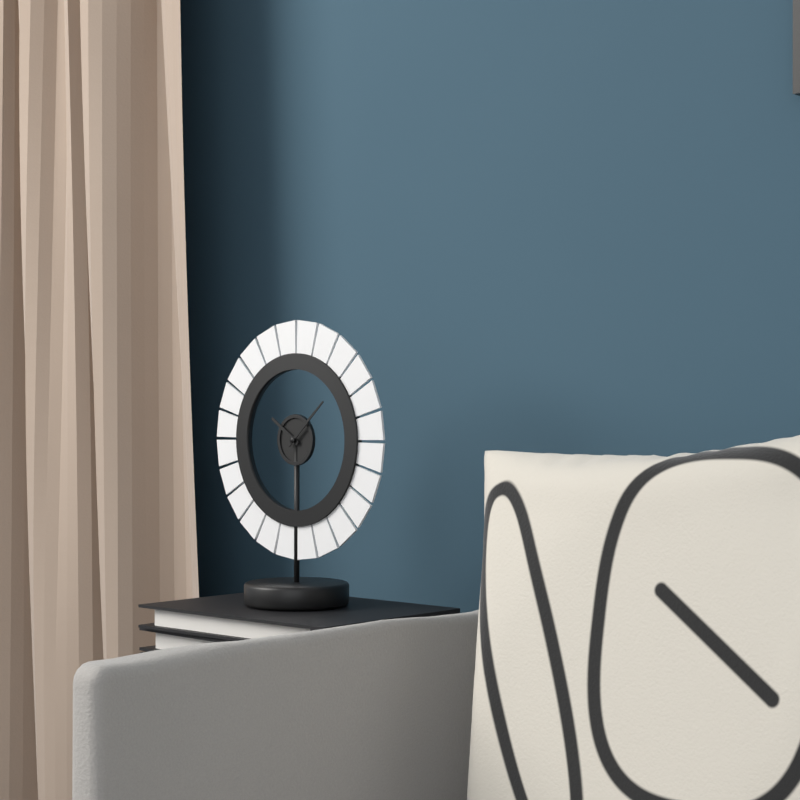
10:08
